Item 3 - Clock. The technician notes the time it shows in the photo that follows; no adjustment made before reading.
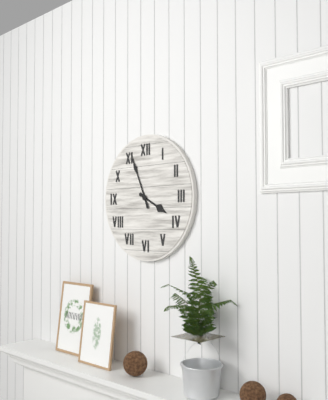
3:56
